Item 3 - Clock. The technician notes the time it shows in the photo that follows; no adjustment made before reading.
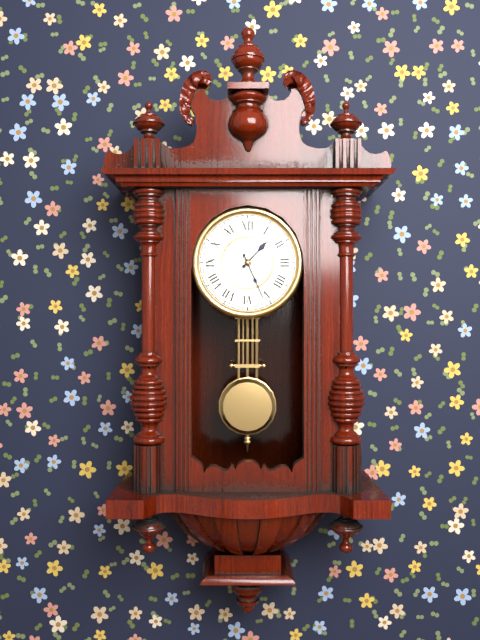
1:26
